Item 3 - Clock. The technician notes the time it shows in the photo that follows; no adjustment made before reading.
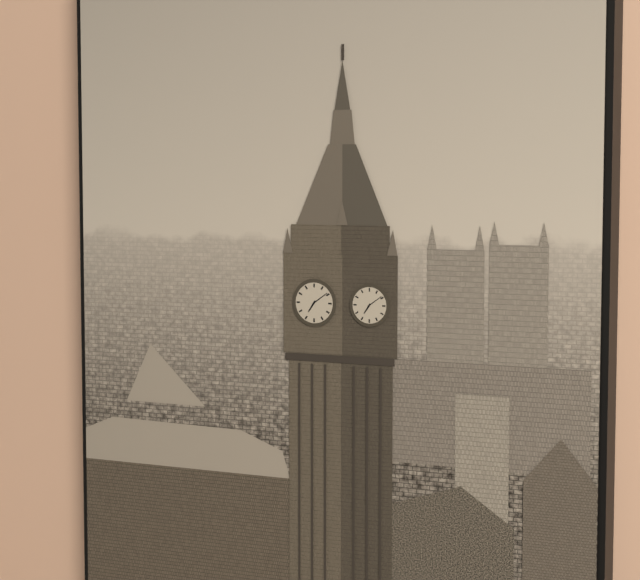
7:09
